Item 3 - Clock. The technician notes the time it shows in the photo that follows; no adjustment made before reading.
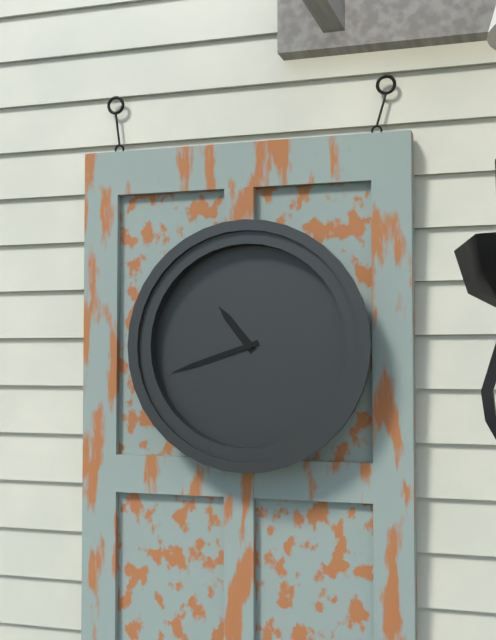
10:42
